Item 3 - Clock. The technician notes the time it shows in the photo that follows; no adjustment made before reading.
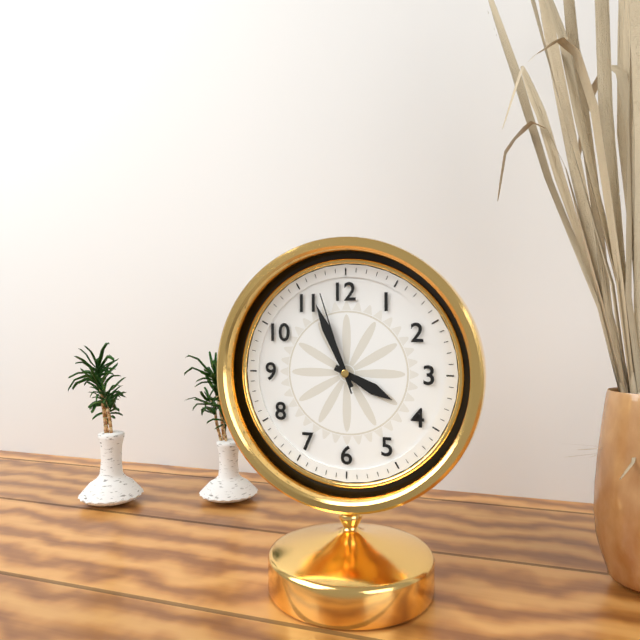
3:56:57
